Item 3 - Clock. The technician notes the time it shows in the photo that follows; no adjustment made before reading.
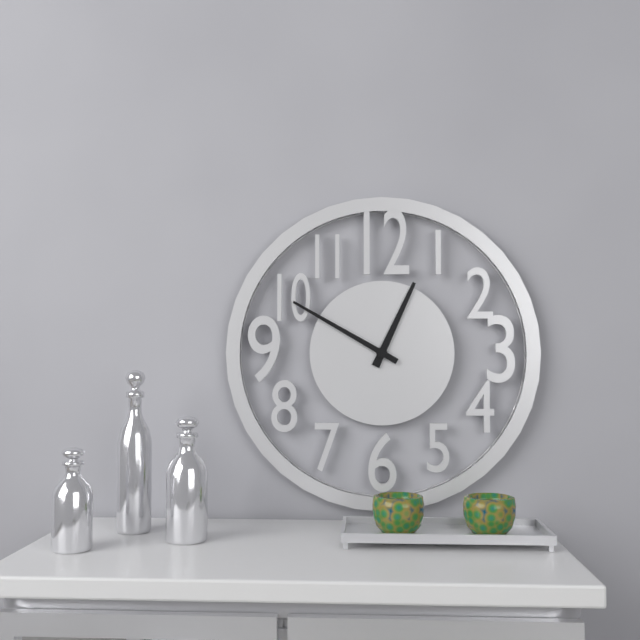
12:50
